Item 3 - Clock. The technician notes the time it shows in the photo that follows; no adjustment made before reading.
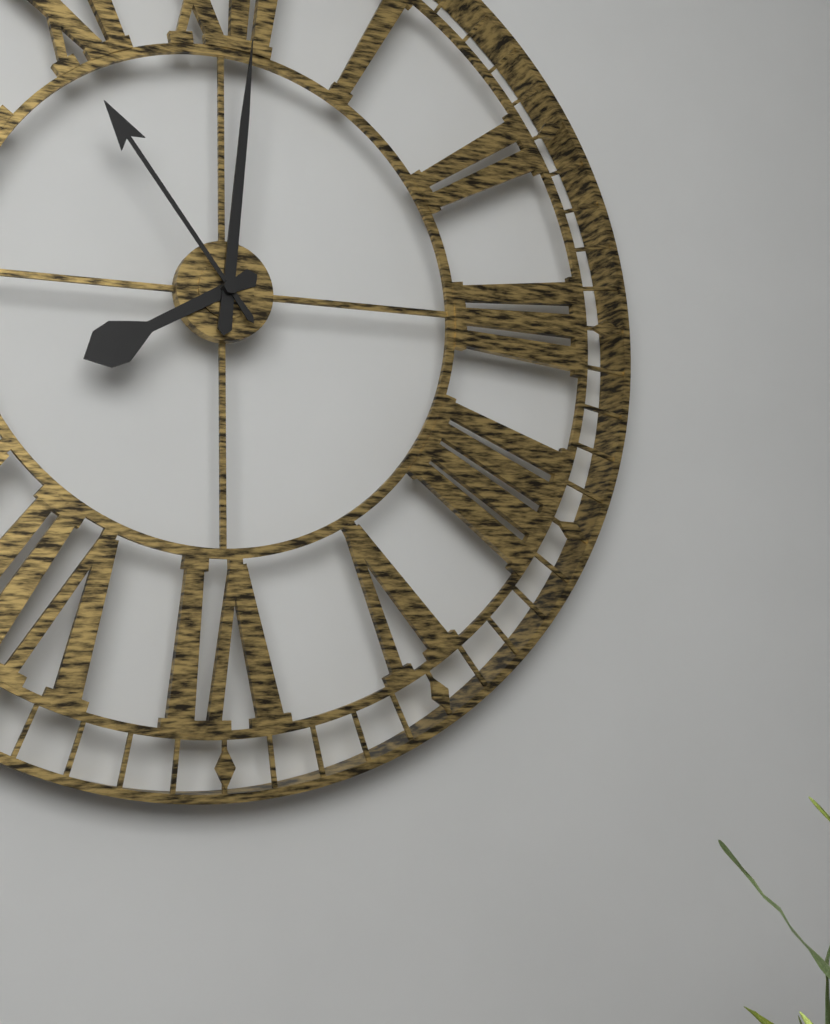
8:01:54
